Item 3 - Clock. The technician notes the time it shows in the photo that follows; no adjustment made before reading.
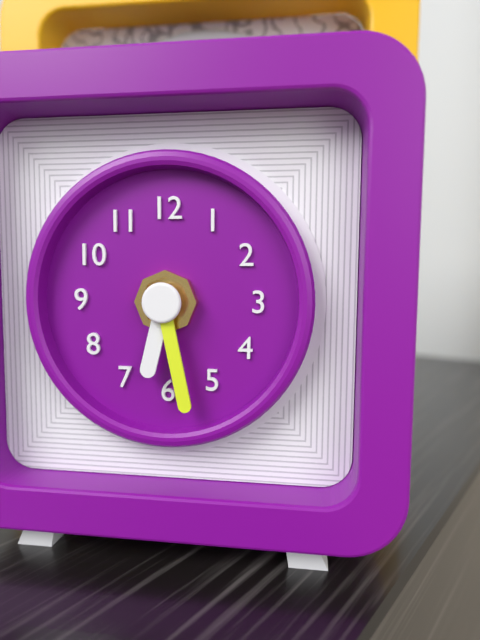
6:28
